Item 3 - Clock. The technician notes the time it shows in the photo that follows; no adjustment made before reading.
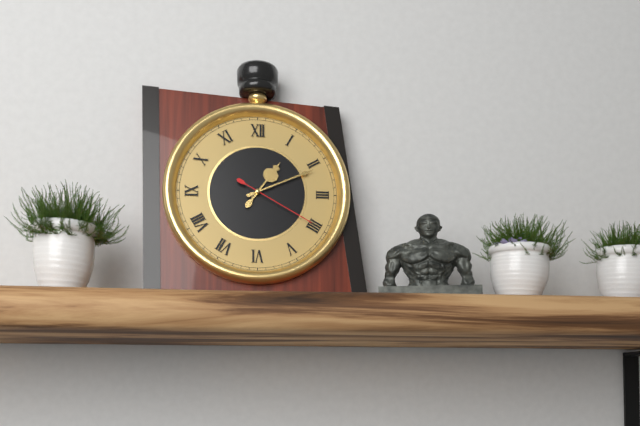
1:11:20
